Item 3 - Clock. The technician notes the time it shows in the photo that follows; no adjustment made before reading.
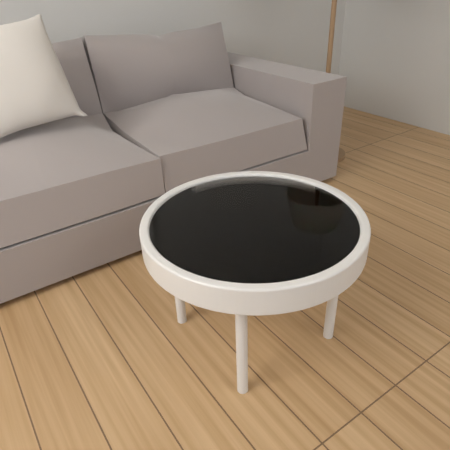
6:06
